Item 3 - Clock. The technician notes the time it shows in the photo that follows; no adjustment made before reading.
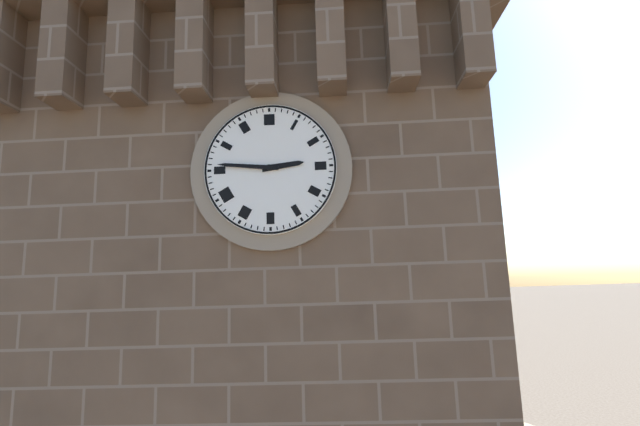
2:46
